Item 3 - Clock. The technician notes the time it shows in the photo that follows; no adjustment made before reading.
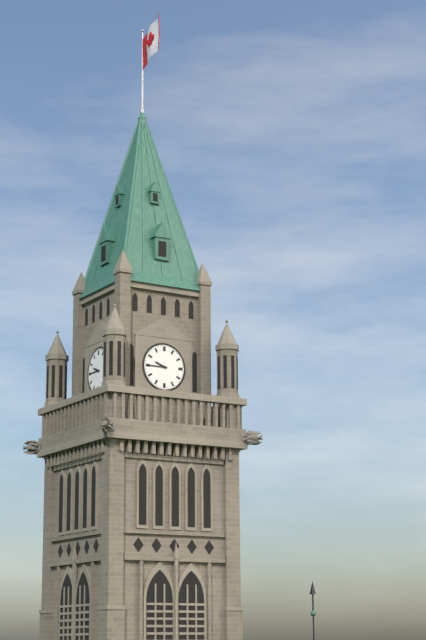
9:45
